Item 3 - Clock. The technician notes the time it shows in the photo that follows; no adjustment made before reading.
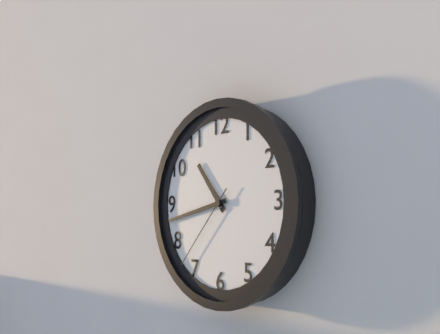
10:43:37
